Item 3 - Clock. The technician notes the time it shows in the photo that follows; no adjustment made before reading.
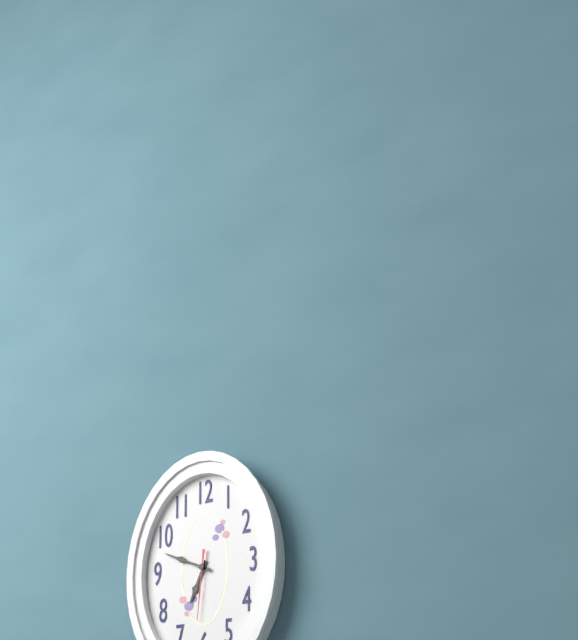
6:49:31
